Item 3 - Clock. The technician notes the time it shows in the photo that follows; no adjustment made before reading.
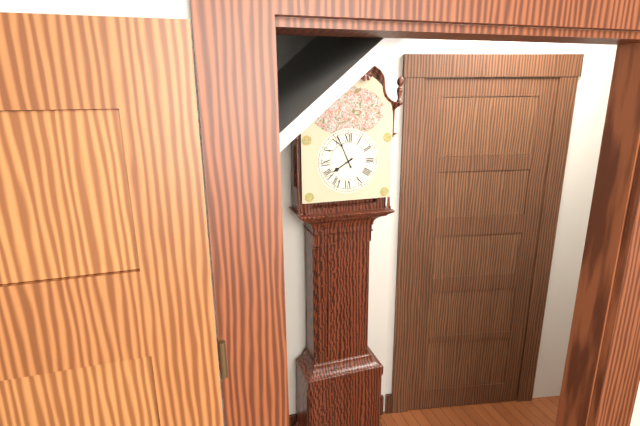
7:56
